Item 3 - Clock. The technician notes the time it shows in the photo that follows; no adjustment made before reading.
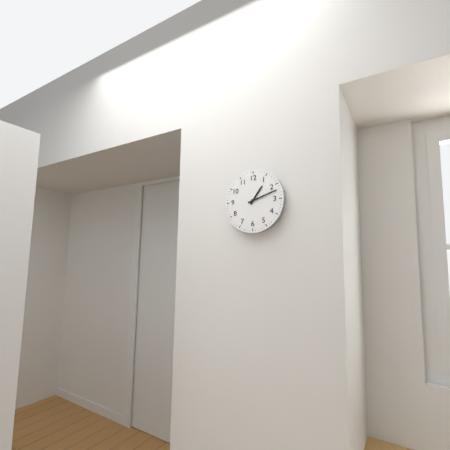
1:12
